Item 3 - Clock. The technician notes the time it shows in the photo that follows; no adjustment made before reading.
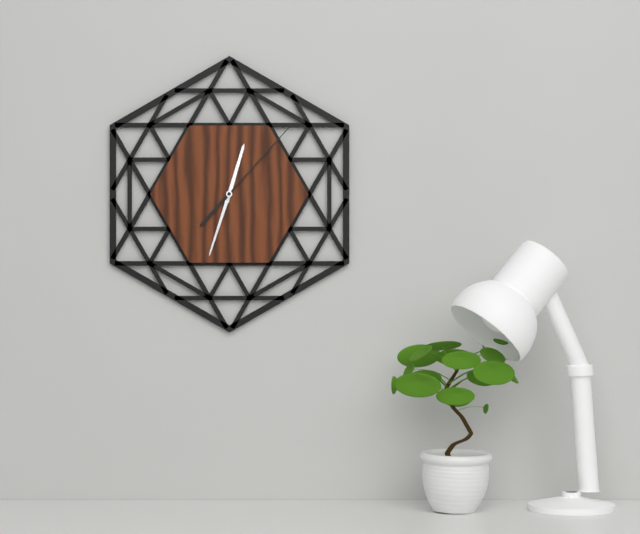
12:33:07
